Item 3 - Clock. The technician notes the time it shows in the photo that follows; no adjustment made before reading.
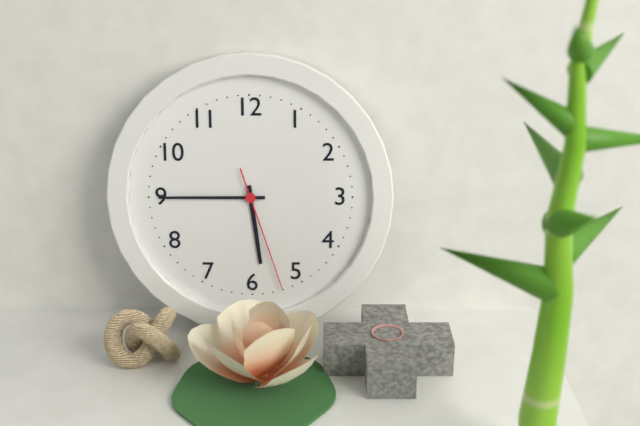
5:45:27
